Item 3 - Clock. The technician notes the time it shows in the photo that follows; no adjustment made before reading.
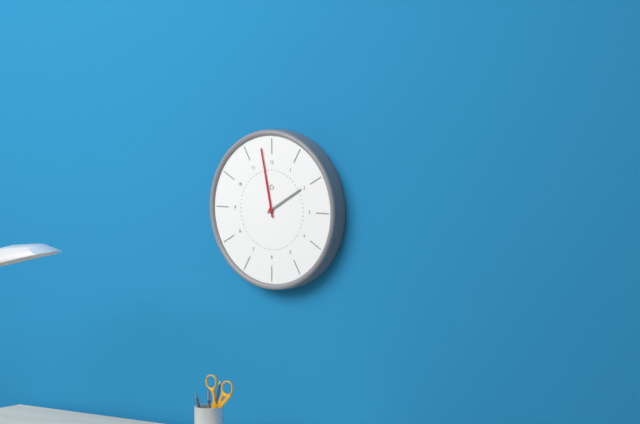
1:58
